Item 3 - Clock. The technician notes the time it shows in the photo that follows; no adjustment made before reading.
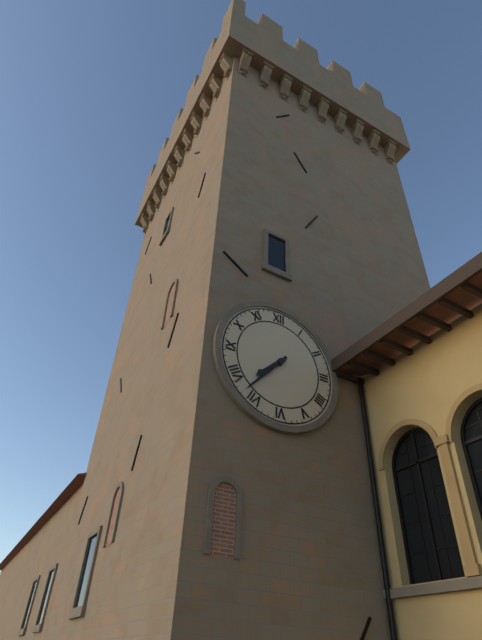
7:37
